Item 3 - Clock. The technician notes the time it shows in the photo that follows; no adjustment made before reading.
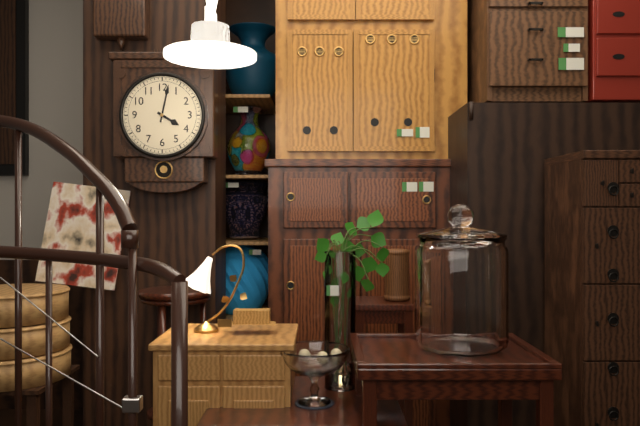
4:02
